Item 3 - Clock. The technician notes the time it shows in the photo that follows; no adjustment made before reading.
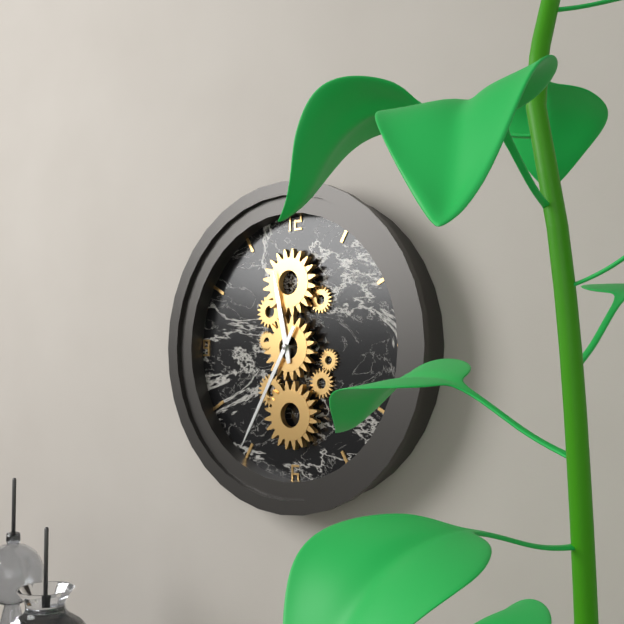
11:35
